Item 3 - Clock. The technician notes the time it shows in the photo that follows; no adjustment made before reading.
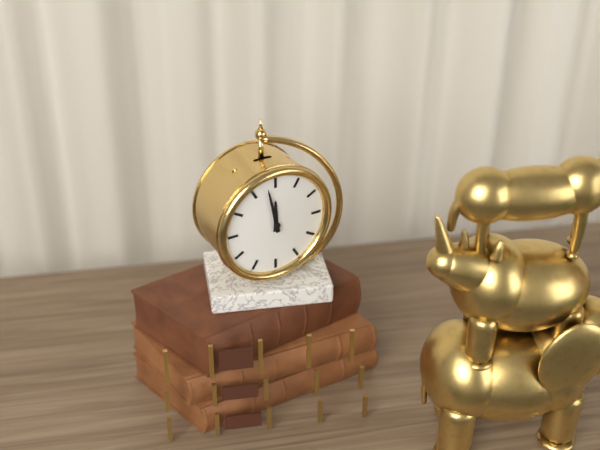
11:58
